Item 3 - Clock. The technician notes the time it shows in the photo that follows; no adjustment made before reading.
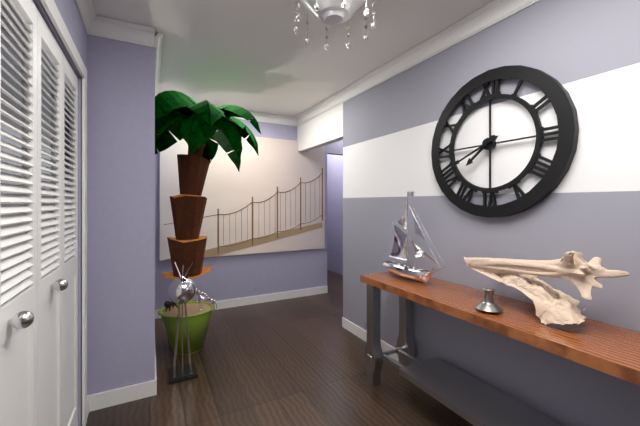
7:41
